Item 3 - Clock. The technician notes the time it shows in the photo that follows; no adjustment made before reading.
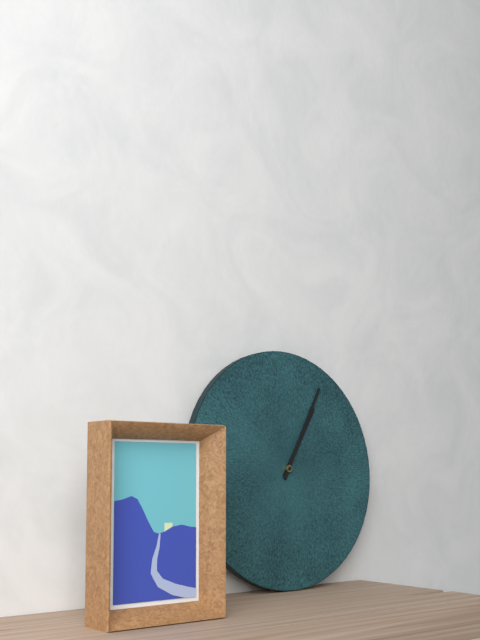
1:05
